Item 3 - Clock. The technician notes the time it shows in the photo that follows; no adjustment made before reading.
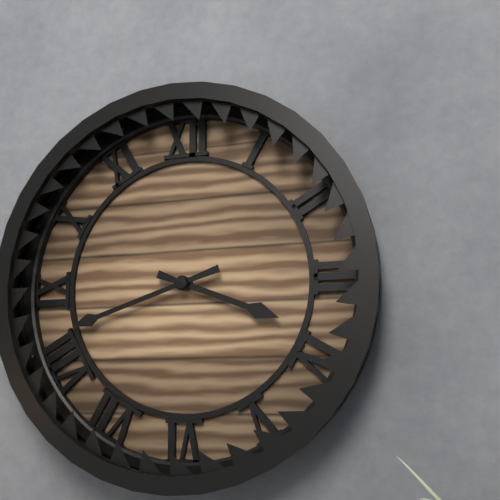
3:42
